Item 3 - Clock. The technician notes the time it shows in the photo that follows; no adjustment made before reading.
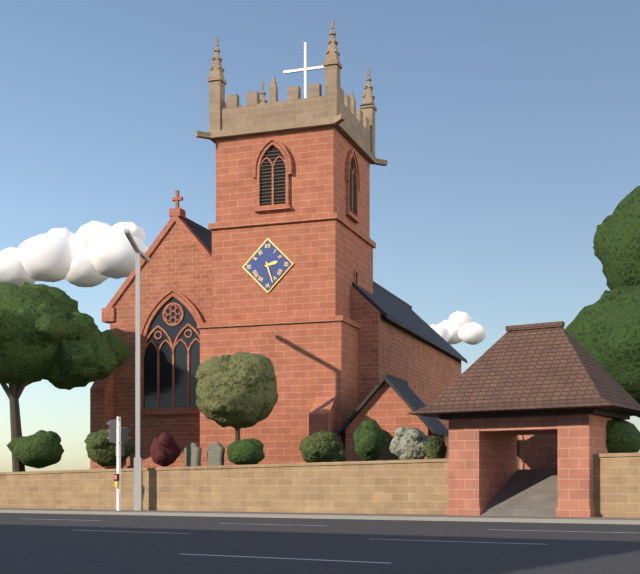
2:27
